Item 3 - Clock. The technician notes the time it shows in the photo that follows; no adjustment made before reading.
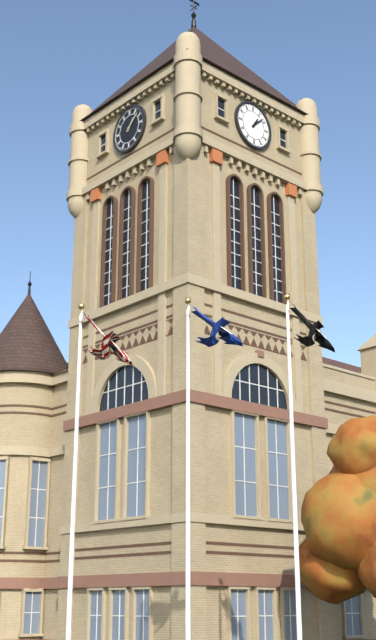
1:08
